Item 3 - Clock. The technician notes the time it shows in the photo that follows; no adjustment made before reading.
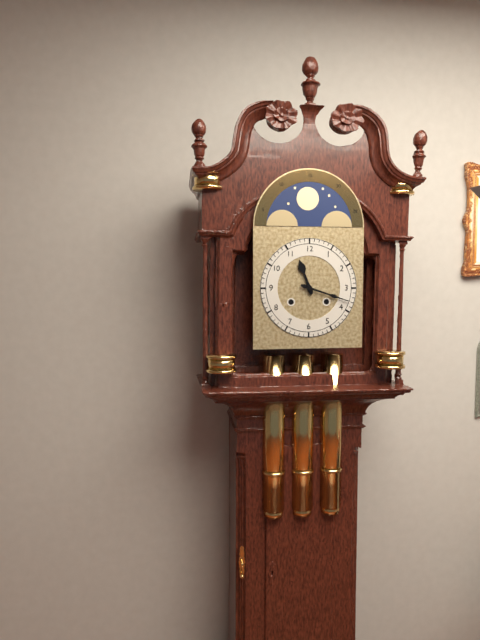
11:18
